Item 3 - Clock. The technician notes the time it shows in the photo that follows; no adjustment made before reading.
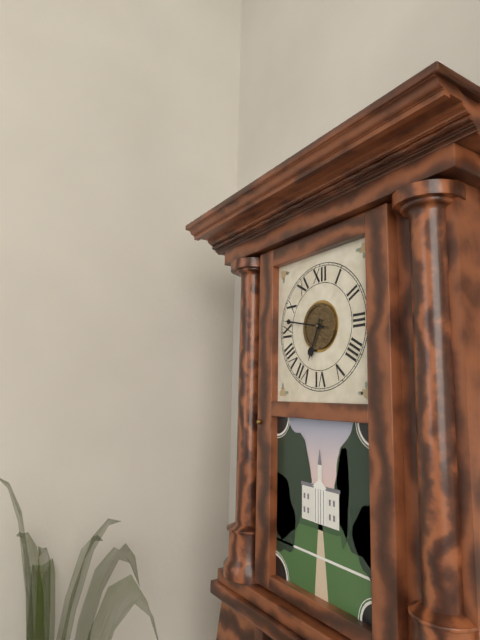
6:47
